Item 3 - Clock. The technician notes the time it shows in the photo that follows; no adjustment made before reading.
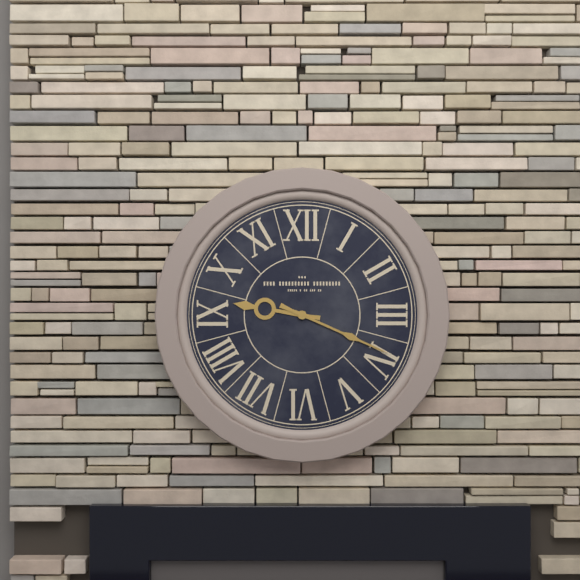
9:19
